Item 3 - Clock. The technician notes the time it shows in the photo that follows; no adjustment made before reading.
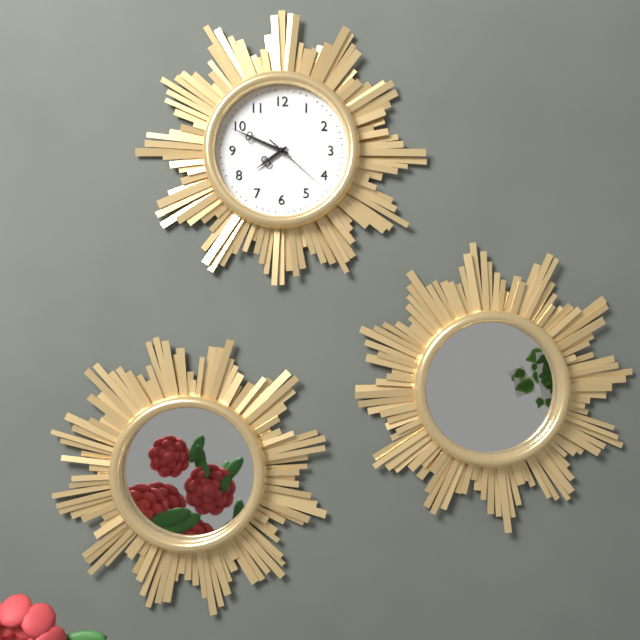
7:49:22
